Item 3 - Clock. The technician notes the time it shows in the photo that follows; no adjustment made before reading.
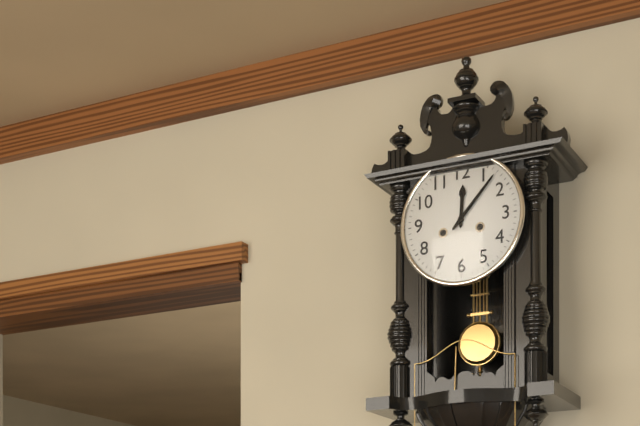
12:07
